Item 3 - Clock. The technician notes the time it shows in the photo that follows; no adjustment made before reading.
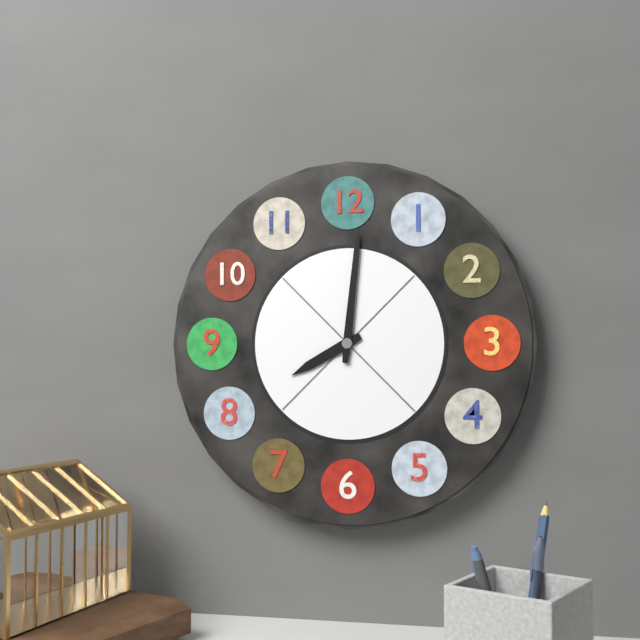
8:01
